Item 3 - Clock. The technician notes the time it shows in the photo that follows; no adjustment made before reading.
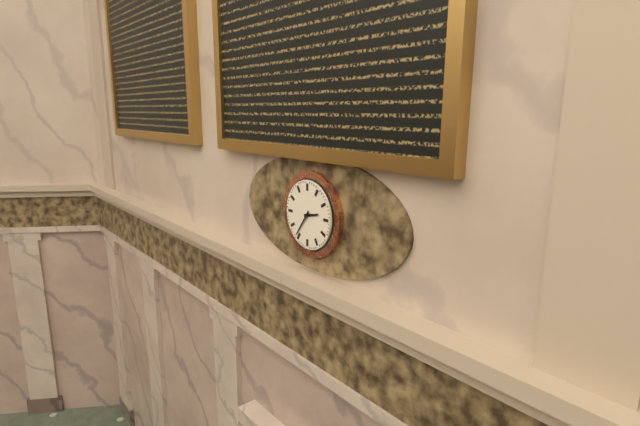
2:36
